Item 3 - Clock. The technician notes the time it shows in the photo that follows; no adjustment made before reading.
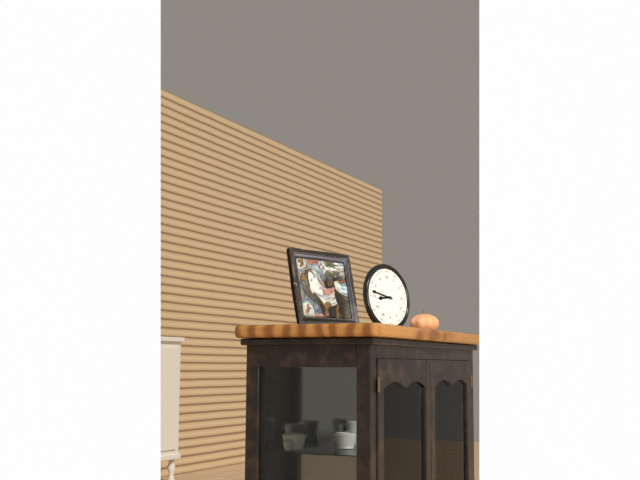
8:47
